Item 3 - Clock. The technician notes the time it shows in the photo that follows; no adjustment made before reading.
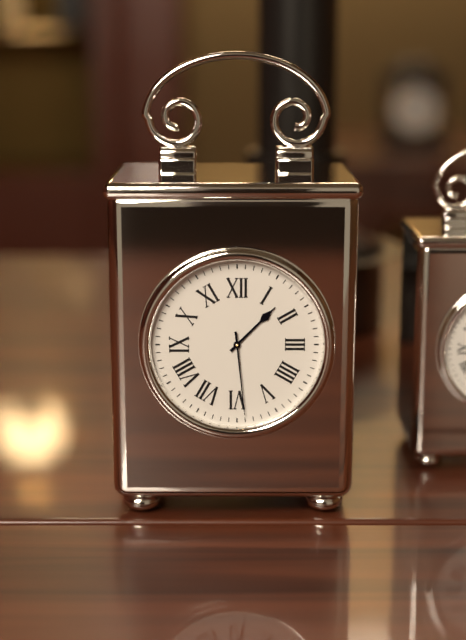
1:29
